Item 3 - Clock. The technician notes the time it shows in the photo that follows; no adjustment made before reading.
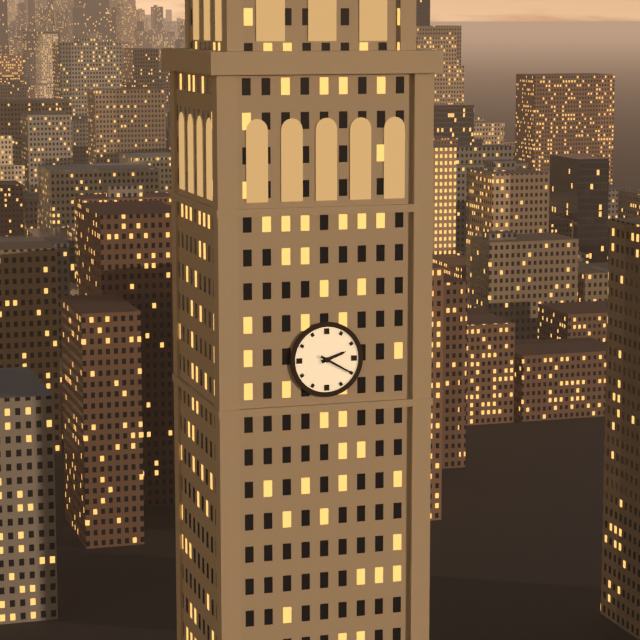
2:20
